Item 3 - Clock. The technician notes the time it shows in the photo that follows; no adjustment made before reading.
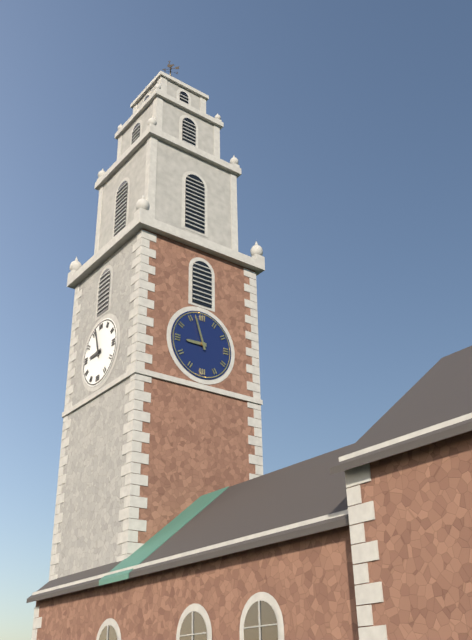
8:57
